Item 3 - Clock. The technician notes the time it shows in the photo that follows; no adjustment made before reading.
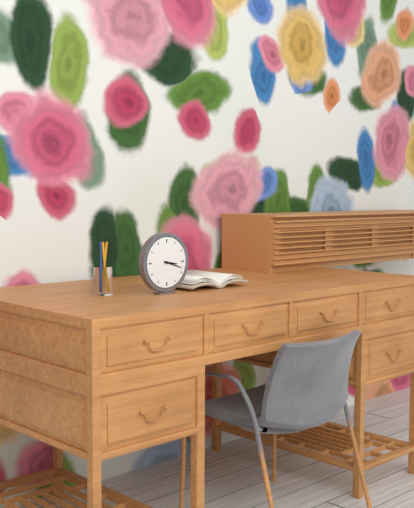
3:18
